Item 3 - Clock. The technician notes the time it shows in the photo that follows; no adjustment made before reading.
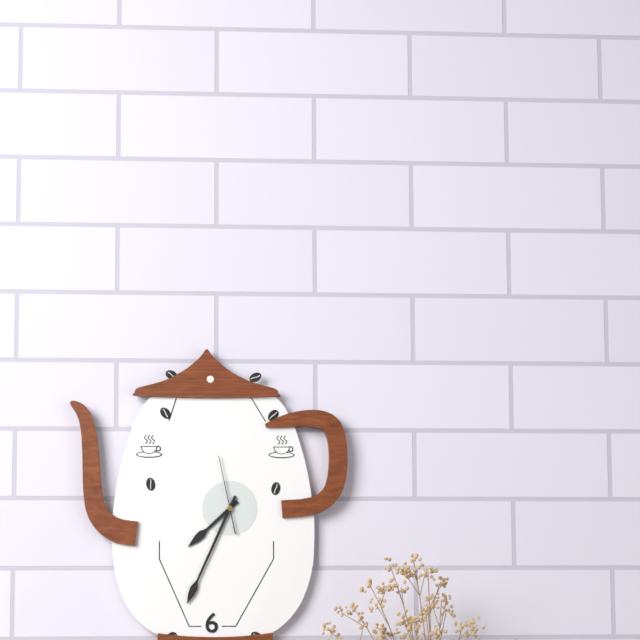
7:34:58
